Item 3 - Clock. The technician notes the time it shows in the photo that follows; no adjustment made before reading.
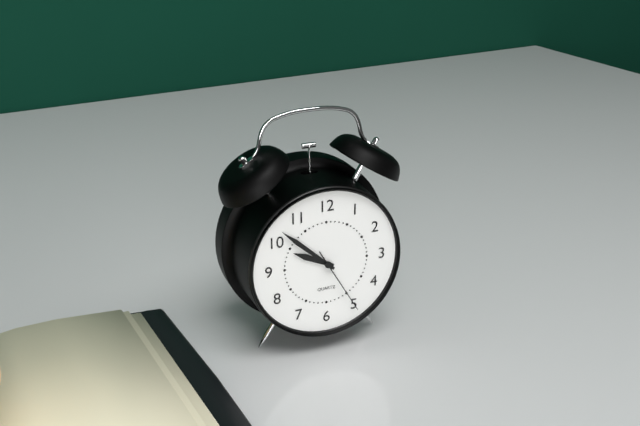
9:52:25
